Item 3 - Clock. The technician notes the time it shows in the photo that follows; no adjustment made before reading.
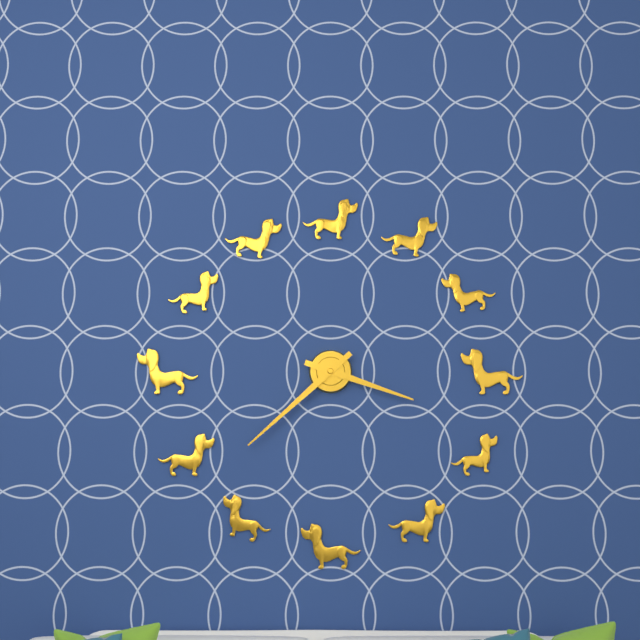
3:38
